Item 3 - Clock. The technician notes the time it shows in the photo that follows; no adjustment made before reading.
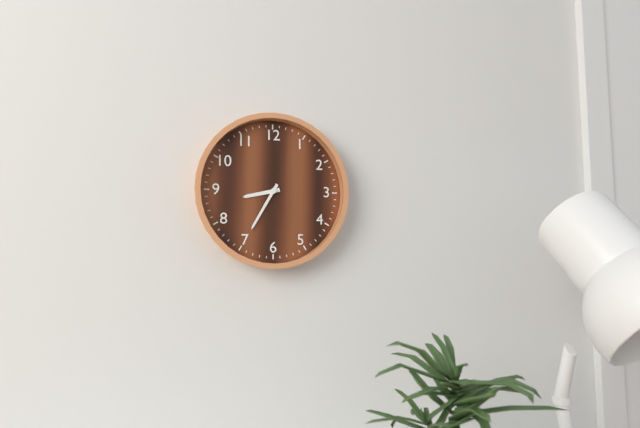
8:35
